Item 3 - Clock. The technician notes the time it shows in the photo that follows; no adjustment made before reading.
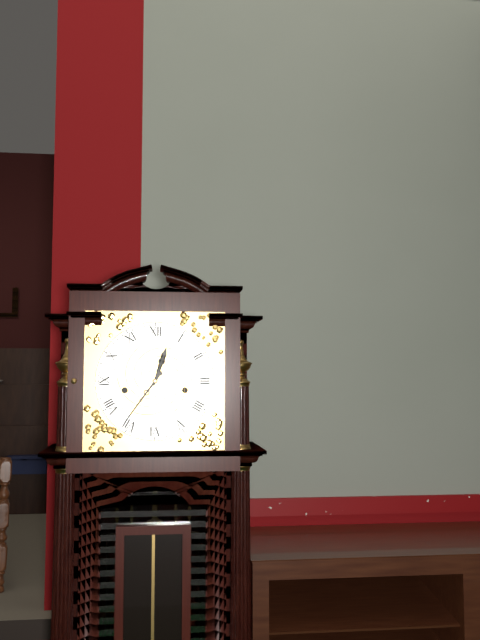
12:36
